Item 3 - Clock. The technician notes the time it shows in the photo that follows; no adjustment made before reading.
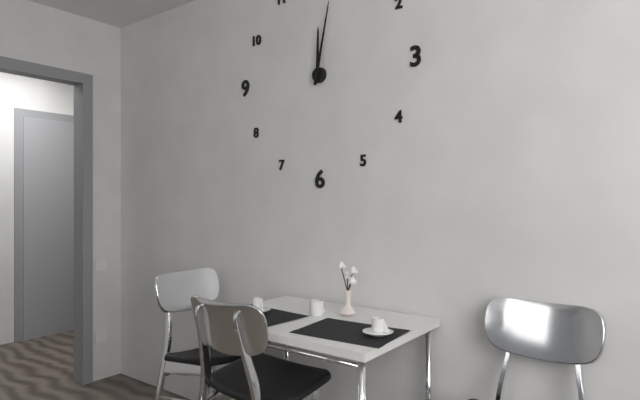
12:02
